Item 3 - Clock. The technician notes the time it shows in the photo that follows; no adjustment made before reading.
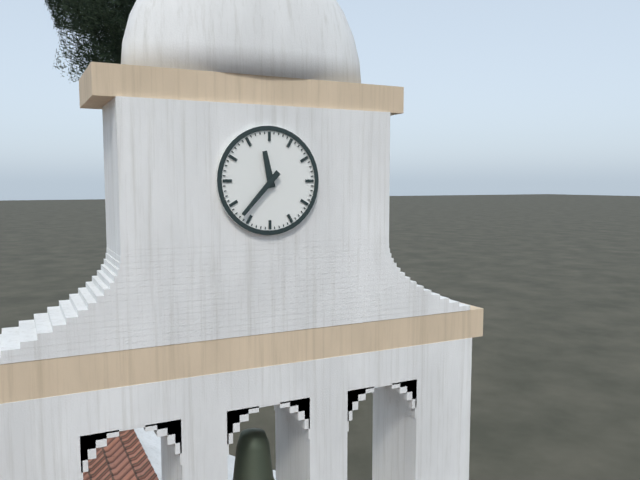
11:37
